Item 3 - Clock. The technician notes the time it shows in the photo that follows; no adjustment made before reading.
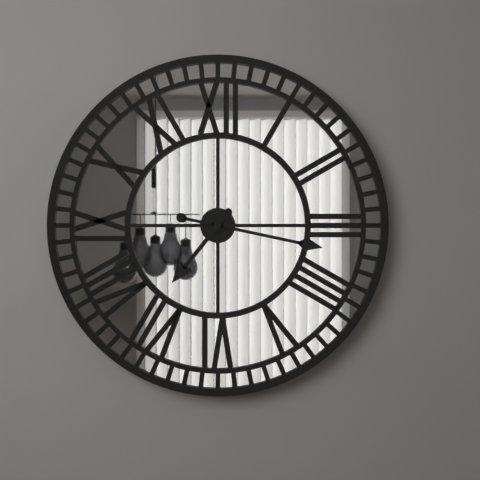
7:17
